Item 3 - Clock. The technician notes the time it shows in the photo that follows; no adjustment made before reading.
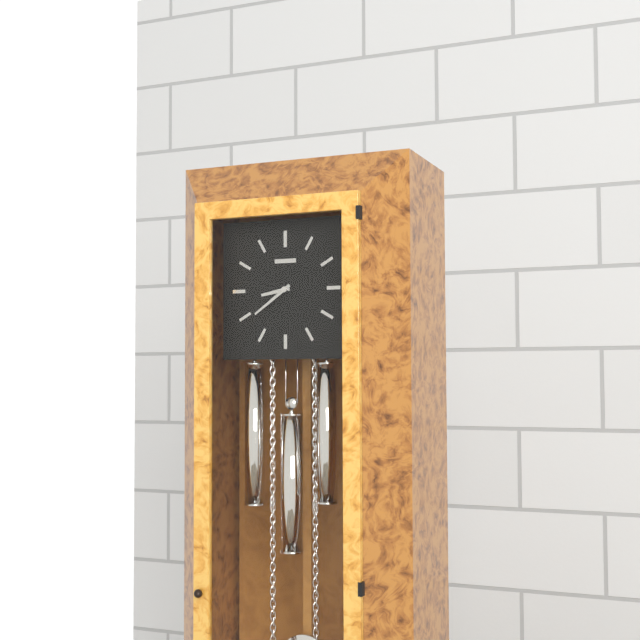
8:39
